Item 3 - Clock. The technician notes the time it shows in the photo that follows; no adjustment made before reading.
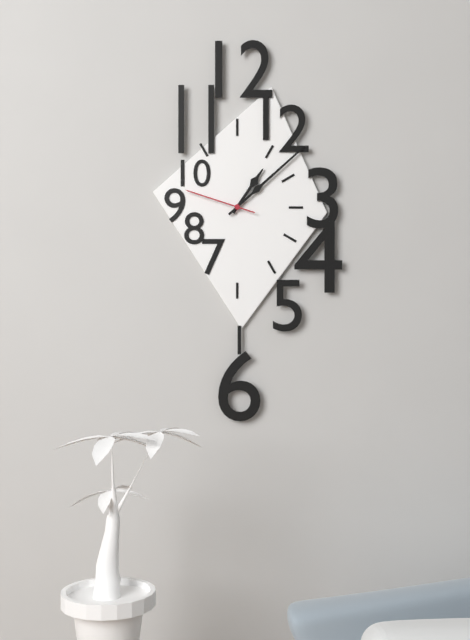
1:08:48
